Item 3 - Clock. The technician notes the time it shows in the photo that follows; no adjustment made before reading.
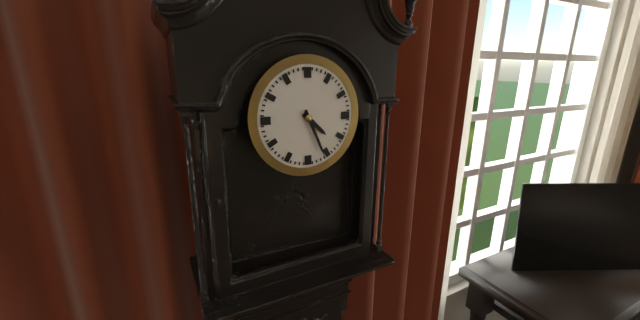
4:26
